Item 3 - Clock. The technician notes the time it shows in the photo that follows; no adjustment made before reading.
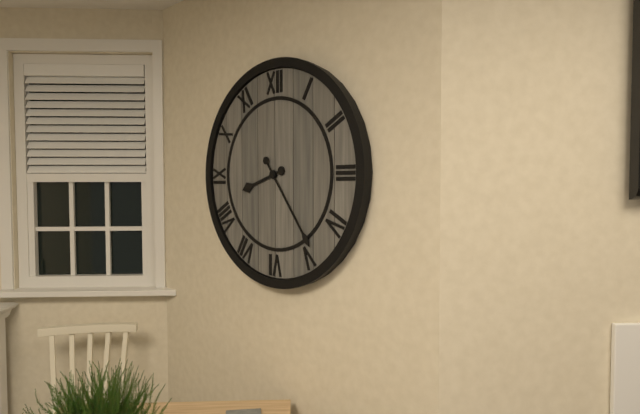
8:24
